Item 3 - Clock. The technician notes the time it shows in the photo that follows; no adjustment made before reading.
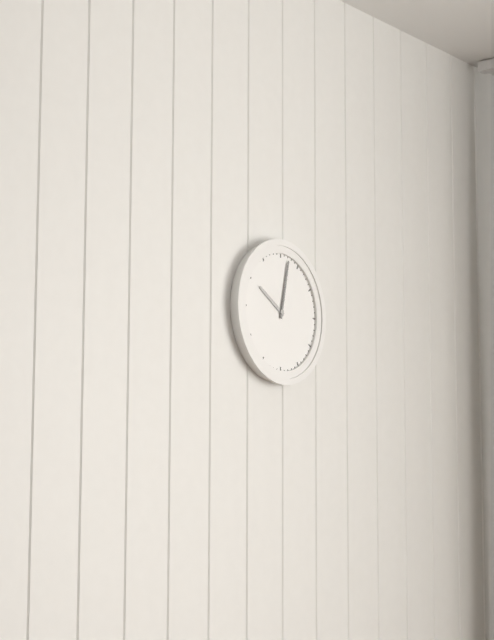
10:02
